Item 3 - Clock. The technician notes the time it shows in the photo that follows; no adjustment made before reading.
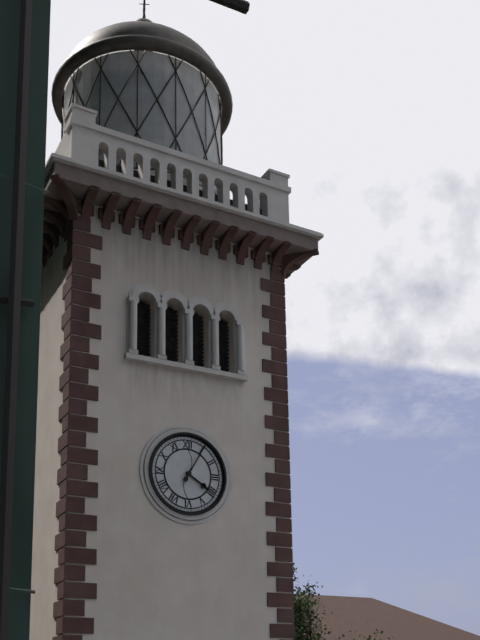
4:05
